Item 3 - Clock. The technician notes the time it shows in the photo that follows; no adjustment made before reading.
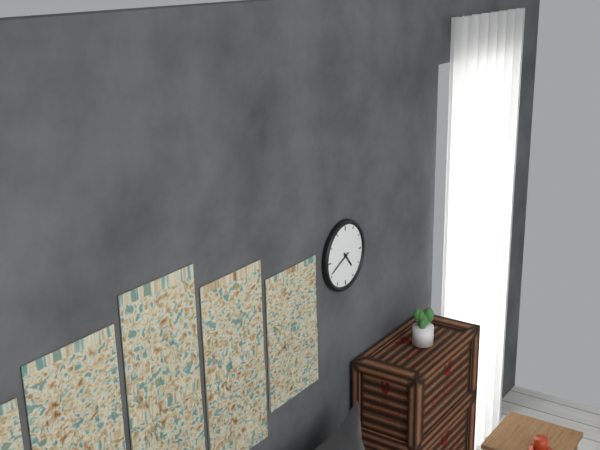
4:41
